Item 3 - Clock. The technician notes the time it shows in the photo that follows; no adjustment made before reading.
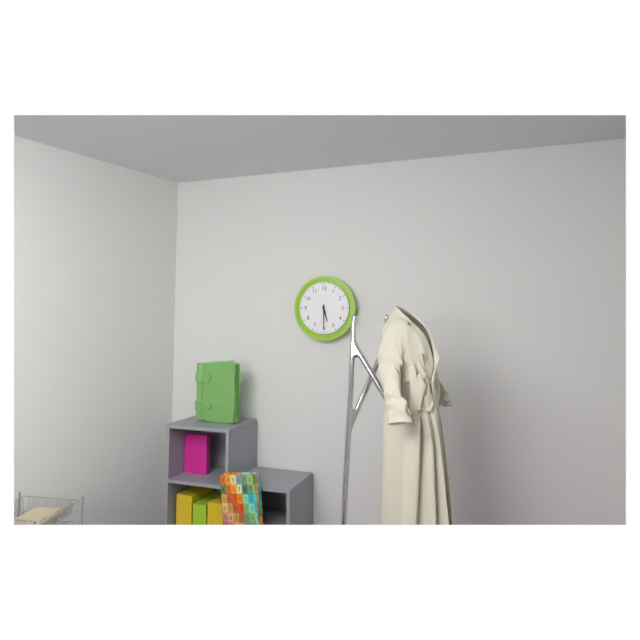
5:30
